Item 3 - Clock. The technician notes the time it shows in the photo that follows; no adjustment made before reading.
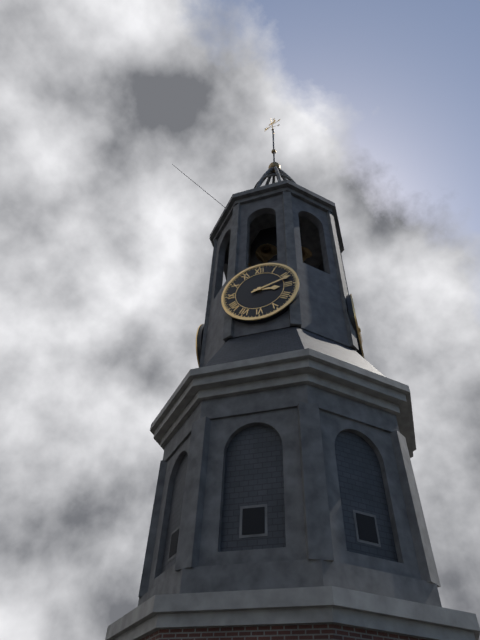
3:12
